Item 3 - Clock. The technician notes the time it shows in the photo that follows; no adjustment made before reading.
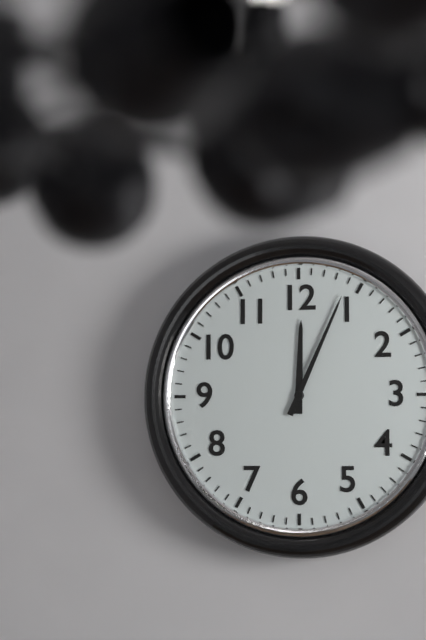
12:04
